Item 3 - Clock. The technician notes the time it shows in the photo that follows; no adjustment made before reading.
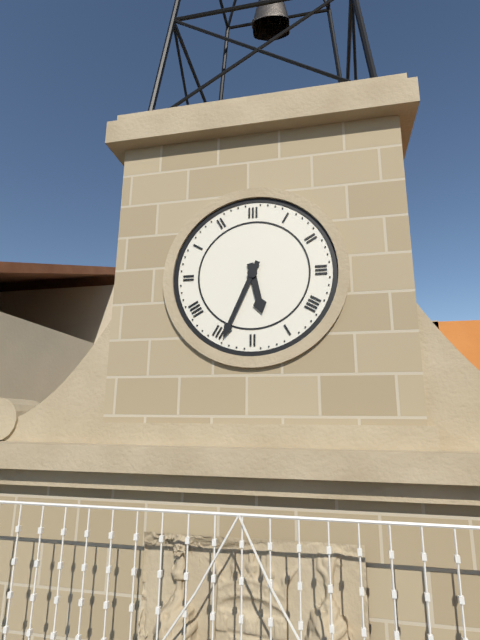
5:34
